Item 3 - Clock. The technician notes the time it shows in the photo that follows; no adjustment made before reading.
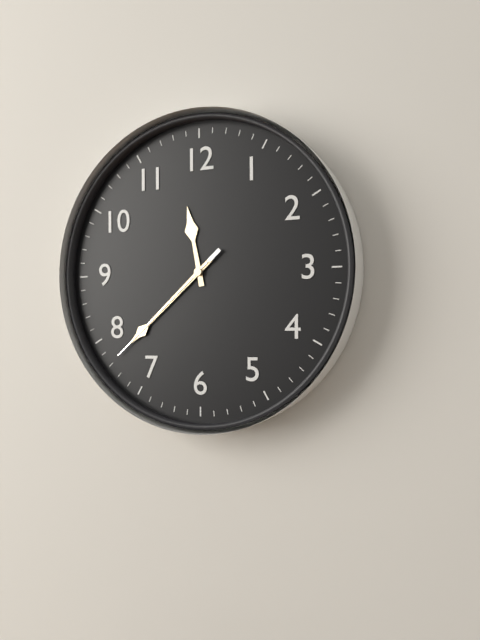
11:38:38
